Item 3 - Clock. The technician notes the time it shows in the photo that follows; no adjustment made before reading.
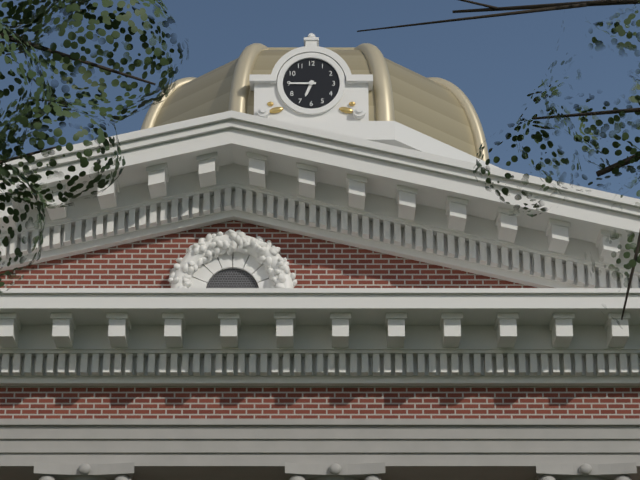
6:45
